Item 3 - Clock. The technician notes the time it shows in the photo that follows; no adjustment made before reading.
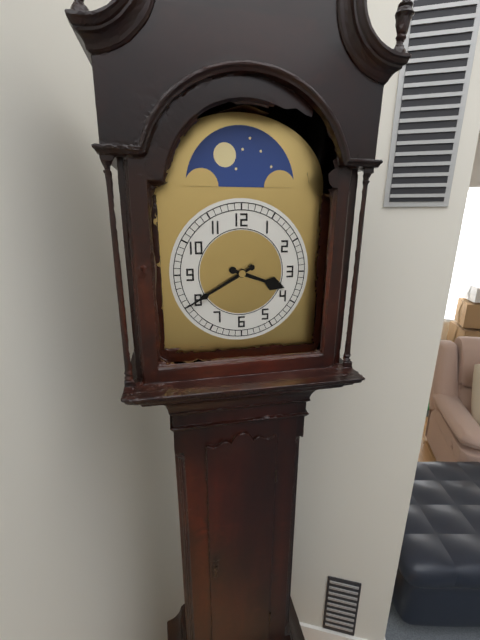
3:40
